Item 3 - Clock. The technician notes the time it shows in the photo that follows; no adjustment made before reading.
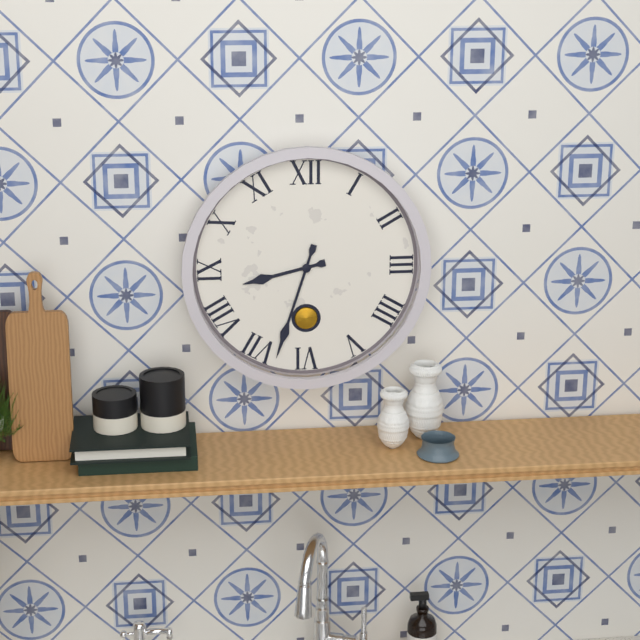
8:33
